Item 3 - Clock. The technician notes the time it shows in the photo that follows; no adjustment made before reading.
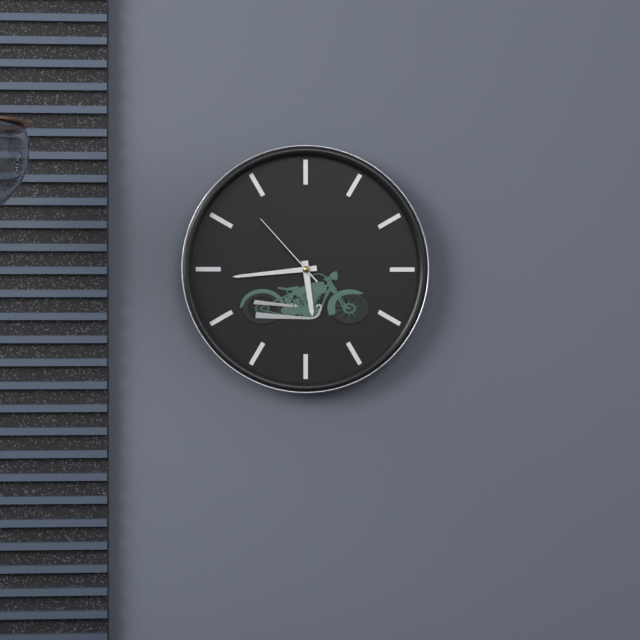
5:44:53
